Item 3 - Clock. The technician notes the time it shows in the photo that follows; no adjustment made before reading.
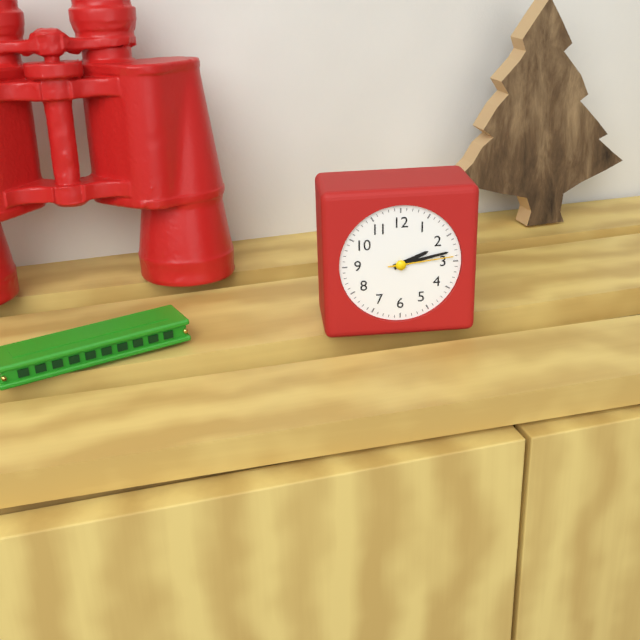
2:13:14
